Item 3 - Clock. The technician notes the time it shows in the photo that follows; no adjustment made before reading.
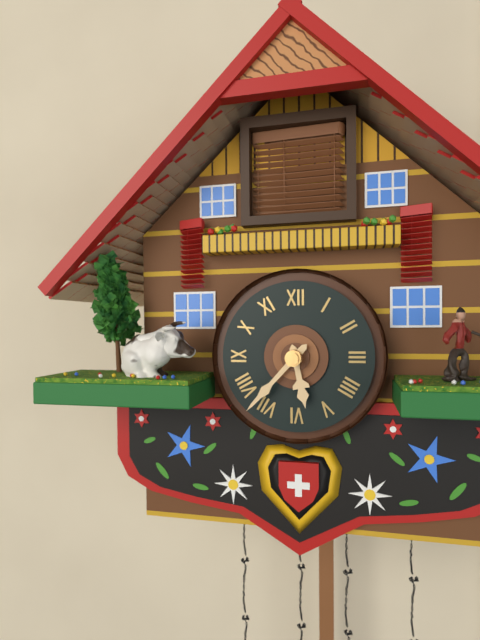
5:37
